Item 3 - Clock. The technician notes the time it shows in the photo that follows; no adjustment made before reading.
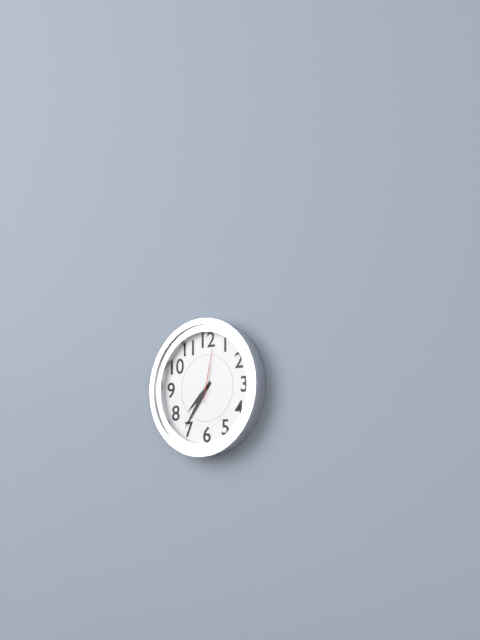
7:36:02
